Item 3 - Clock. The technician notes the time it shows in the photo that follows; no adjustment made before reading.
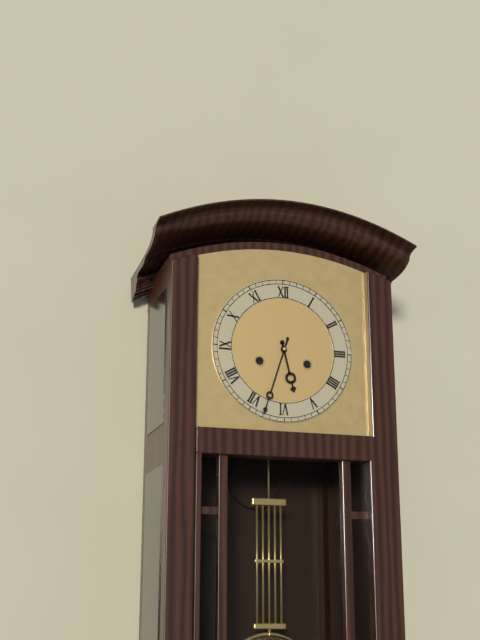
5:33
